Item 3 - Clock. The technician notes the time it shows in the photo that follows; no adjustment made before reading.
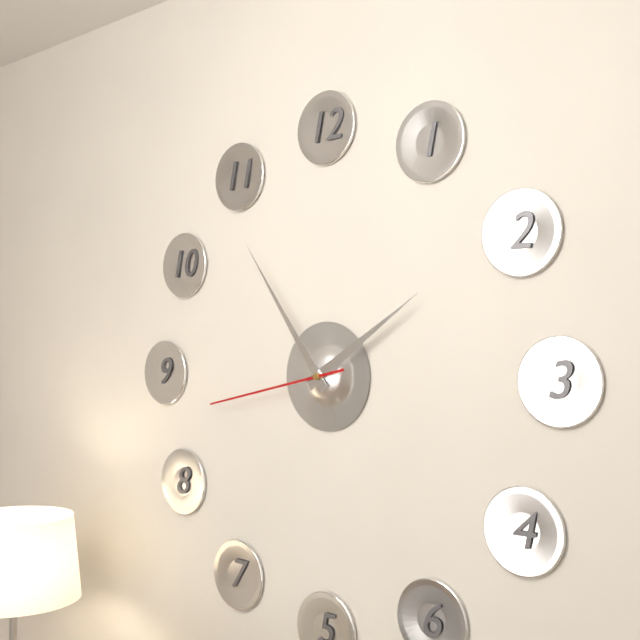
1:54:43
